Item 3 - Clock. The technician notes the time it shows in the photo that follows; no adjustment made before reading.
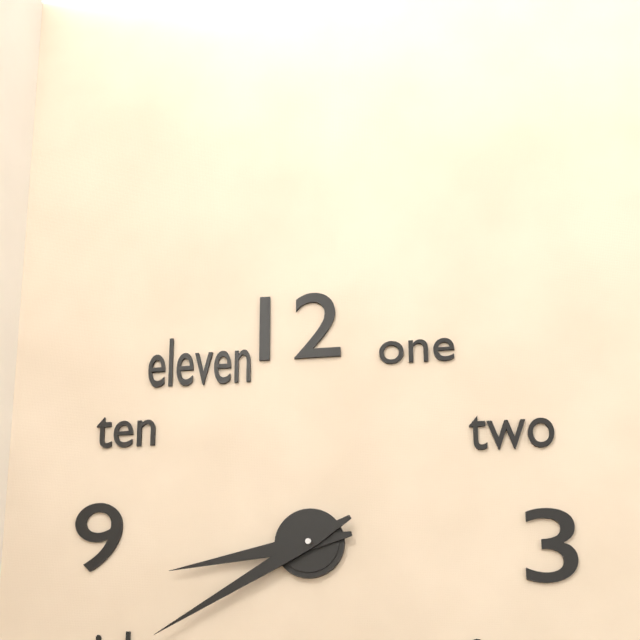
8:40
